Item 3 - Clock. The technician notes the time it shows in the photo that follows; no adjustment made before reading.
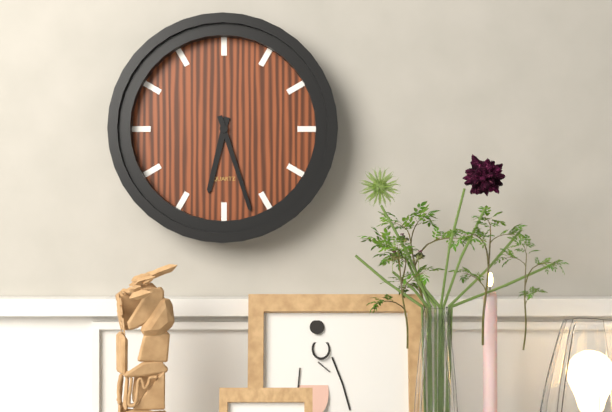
6:27
